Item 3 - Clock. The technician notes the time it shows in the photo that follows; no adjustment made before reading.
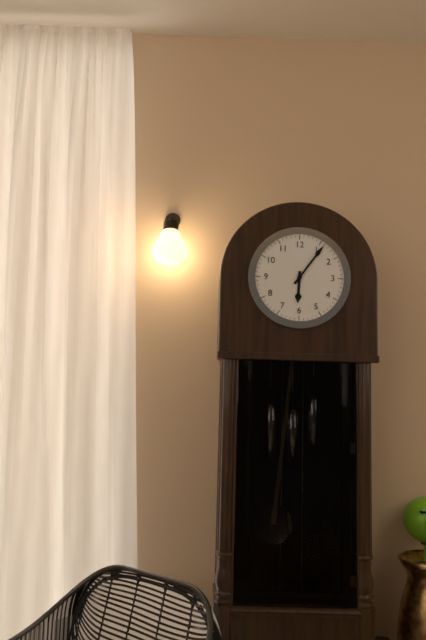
6:06
